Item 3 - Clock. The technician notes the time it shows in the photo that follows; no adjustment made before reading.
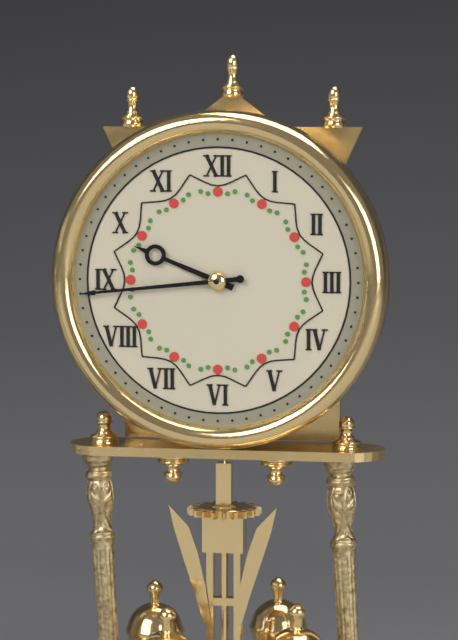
9:44
